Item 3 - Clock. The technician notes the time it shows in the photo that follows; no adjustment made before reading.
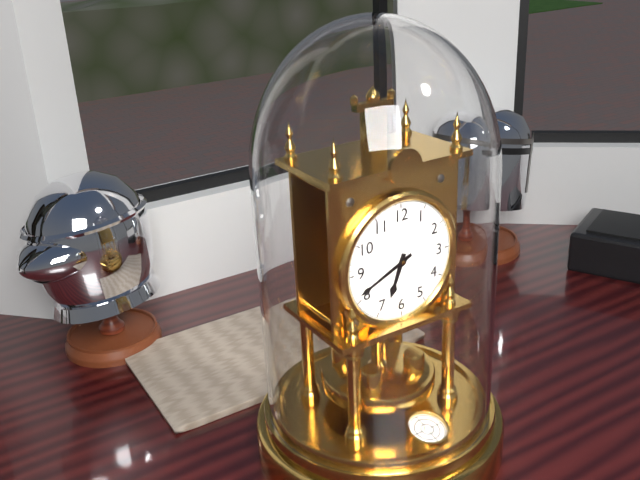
6:41
